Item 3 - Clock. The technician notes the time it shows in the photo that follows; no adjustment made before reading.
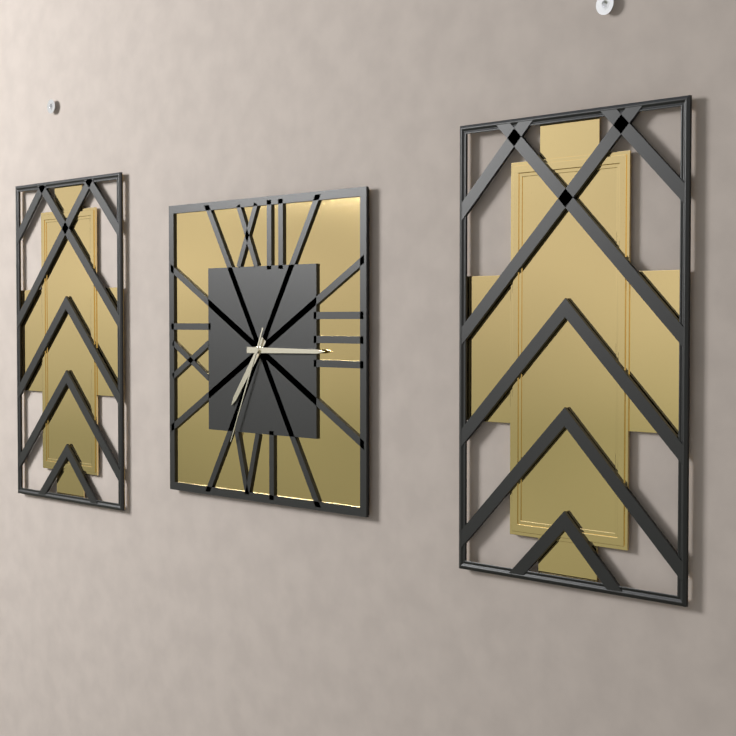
7:15:34
